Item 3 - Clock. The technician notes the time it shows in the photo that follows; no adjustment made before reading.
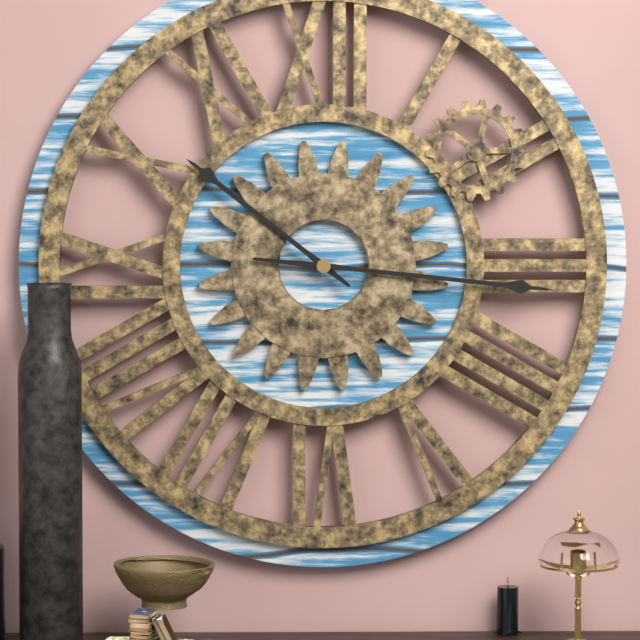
10:16
